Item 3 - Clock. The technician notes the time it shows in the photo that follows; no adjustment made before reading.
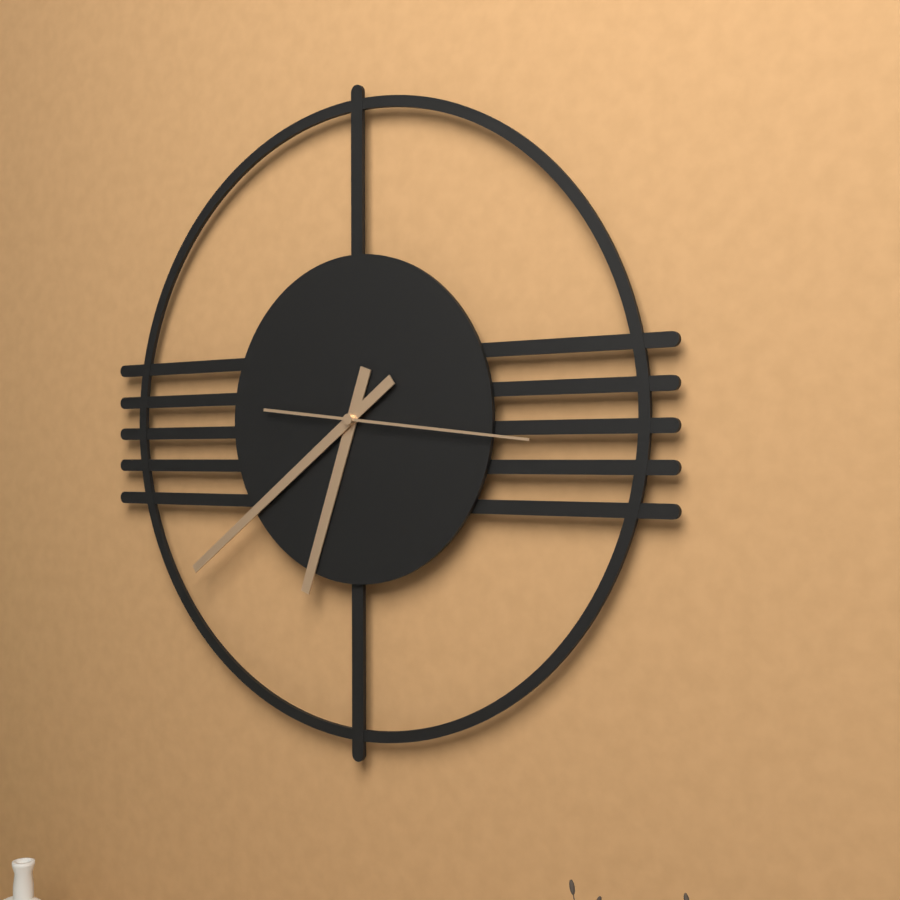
6:39:16
